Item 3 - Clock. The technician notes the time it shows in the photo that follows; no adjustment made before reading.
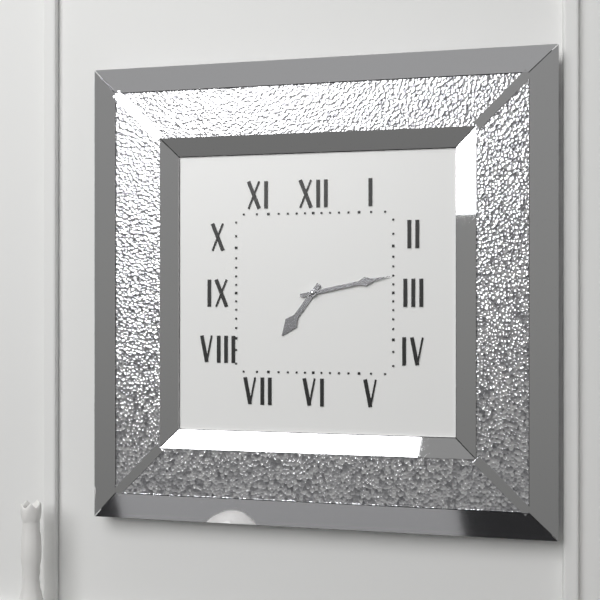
7:13
